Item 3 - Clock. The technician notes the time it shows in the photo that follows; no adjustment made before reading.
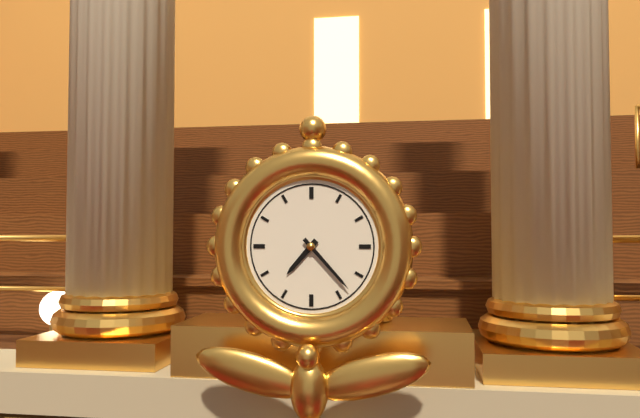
7:23
